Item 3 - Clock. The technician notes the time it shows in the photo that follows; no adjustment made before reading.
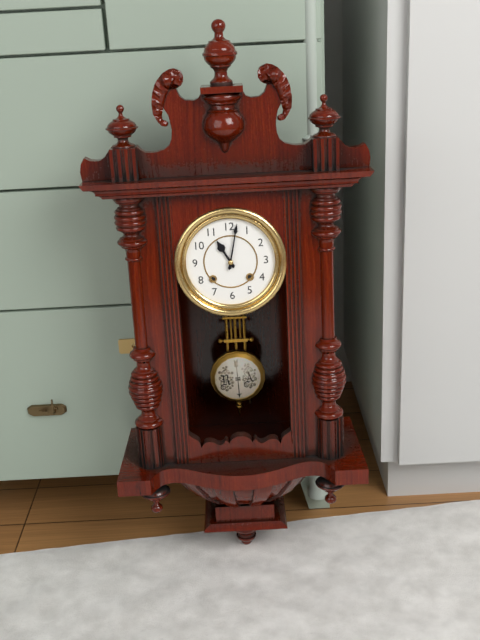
11:02
